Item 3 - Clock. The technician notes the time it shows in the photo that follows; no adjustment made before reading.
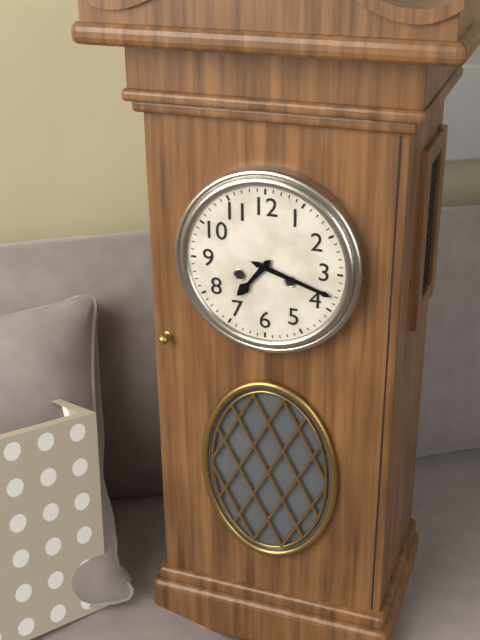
7:18
